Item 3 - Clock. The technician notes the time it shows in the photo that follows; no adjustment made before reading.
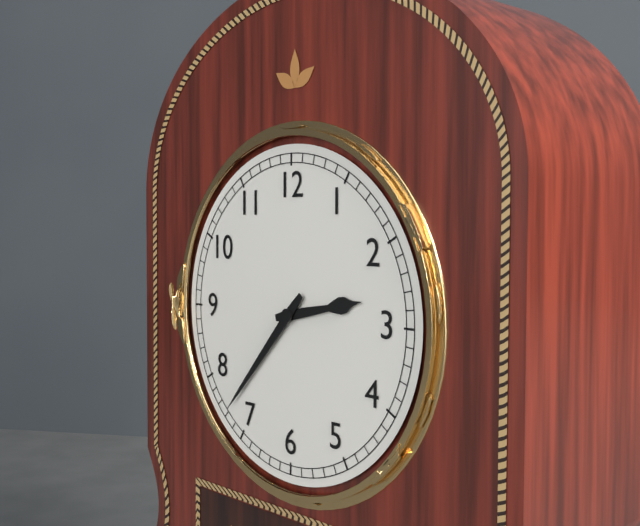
2:37
